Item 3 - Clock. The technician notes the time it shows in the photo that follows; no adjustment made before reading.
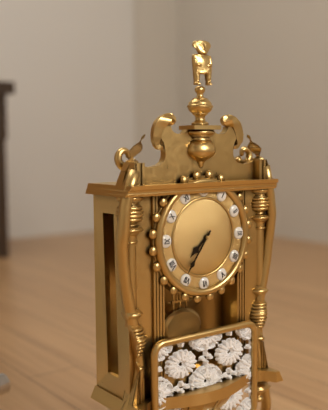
7:36
